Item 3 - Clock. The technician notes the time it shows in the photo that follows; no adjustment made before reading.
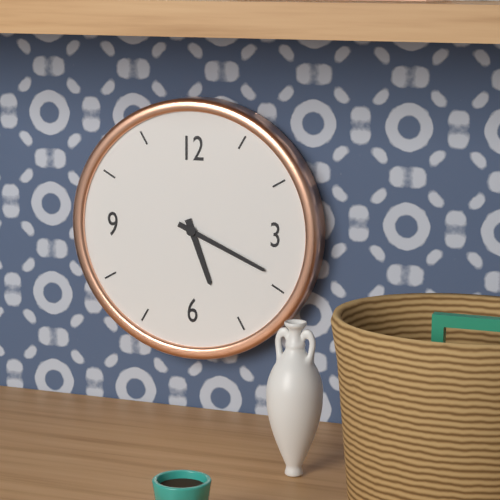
5:19
